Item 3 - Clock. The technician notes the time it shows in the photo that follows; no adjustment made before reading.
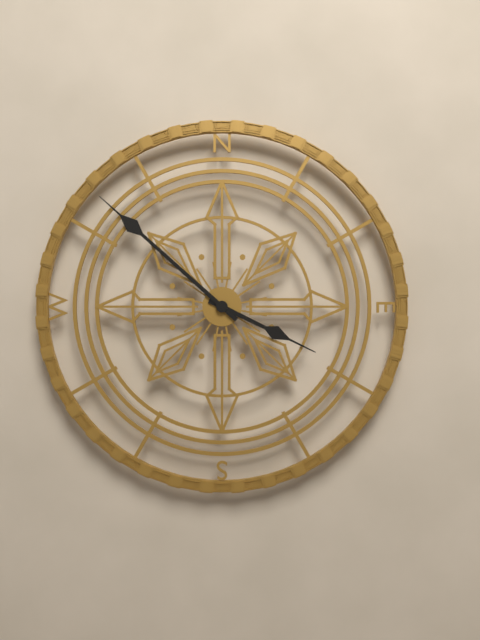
3:52
